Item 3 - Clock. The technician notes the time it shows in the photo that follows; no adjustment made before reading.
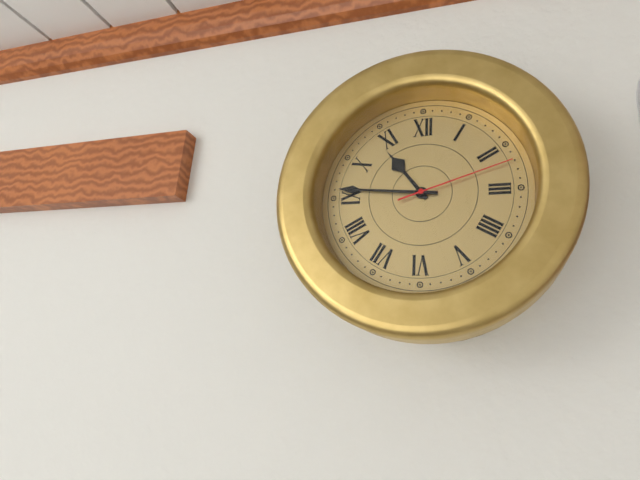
10:46:12
